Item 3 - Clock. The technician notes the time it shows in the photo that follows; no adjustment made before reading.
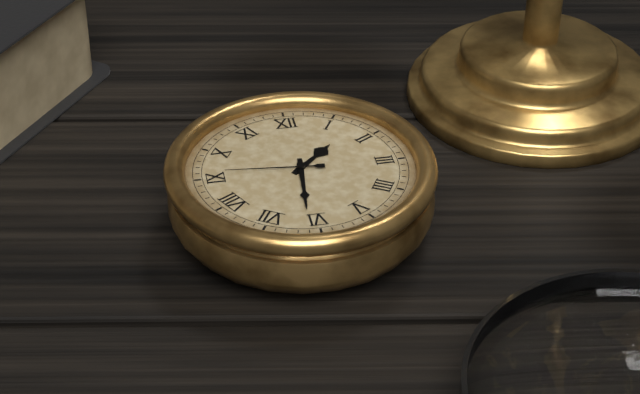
1:31:46
